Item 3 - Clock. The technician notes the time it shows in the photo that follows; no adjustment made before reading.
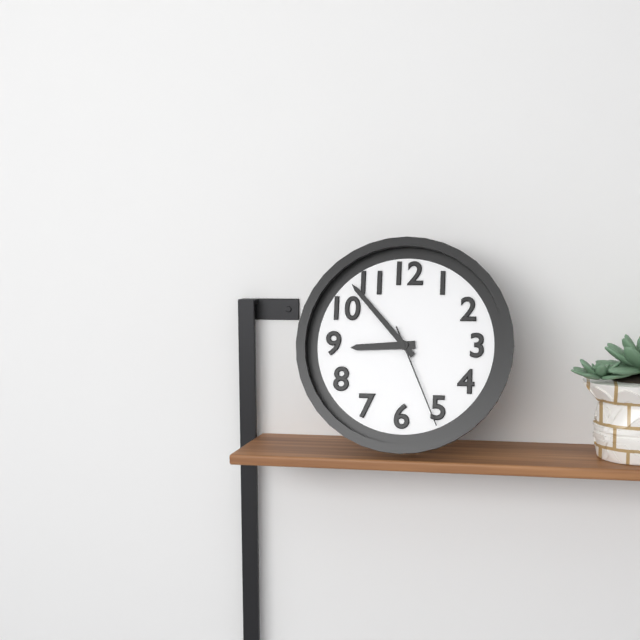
8:53:26
